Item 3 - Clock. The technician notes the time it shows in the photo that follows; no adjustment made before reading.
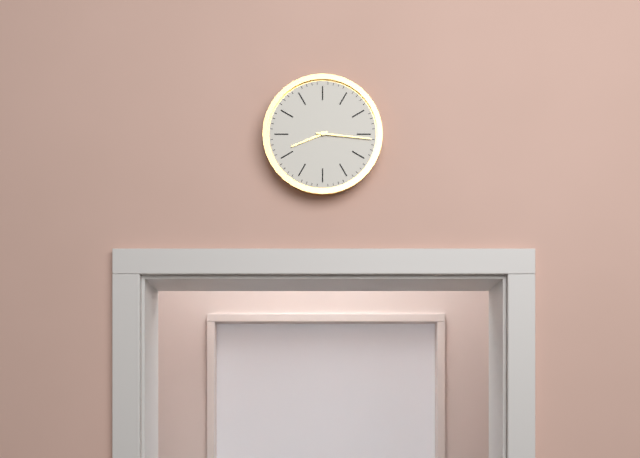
8:16
